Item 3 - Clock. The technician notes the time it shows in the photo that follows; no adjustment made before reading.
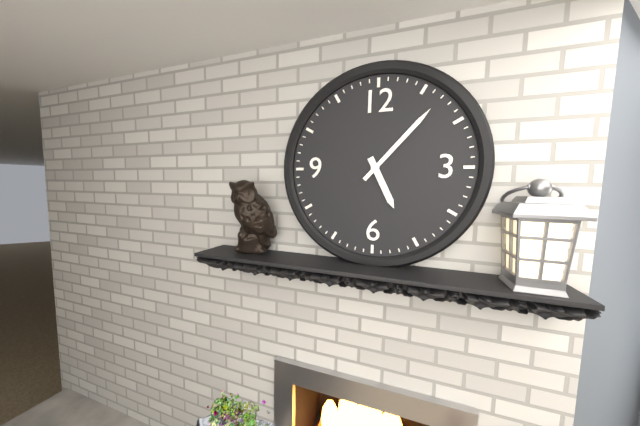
5:07
